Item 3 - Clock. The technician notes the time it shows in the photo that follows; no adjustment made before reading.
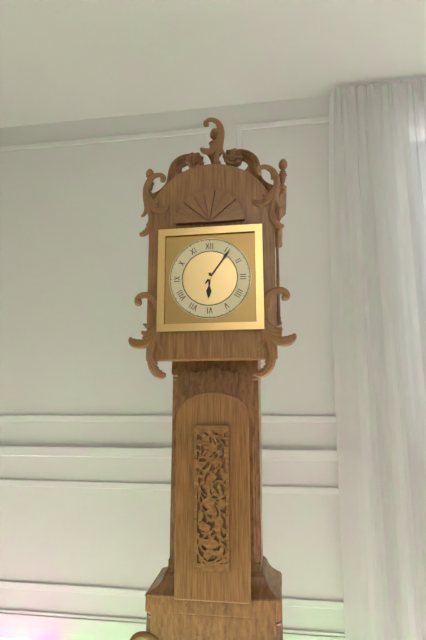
6:06
